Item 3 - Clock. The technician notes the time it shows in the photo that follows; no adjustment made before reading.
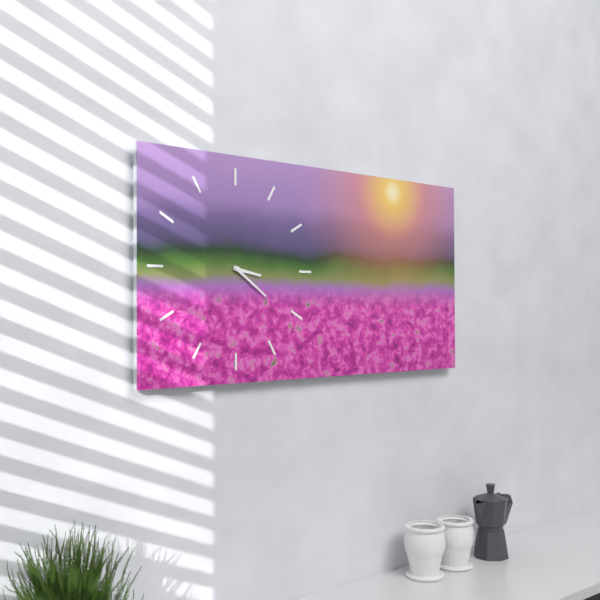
3:21
